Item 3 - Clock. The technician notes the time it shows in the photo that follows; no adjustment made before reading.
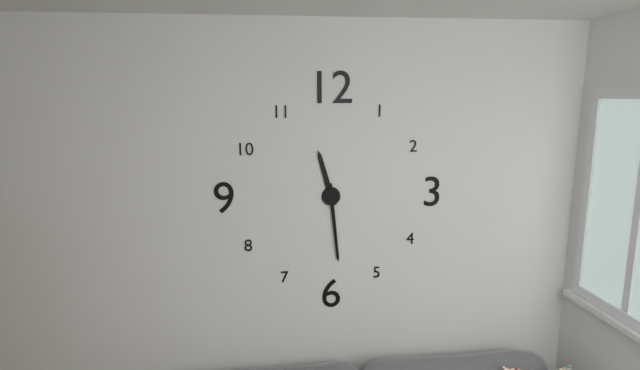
11:29
